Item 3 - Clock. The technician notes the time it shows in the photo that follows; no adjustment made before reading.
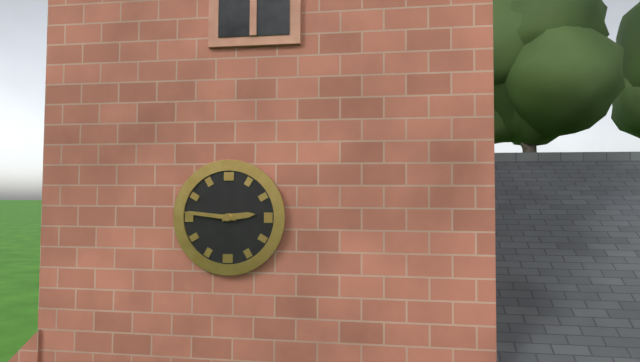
2:46
